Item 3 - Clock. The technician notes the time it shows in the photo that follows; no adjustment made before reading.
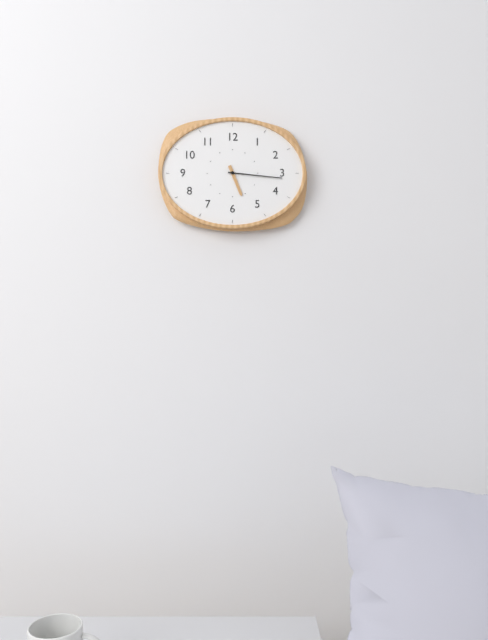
5:16
